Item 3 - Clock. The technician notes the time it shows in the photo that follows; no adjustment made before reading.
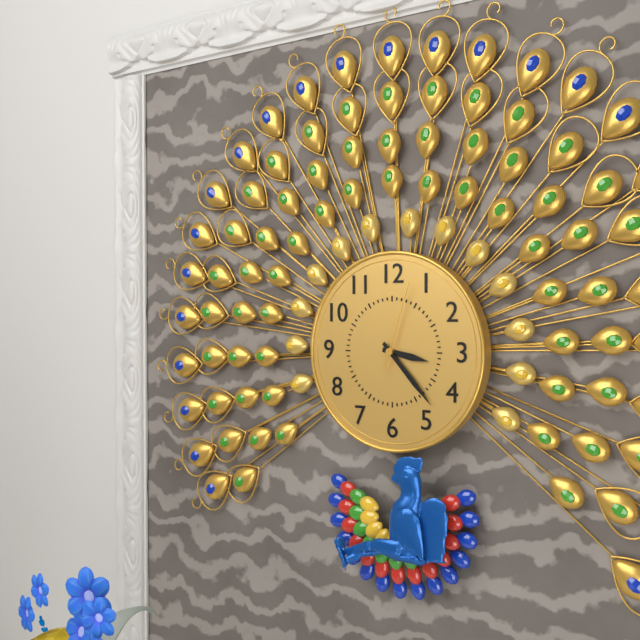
3:23:03
